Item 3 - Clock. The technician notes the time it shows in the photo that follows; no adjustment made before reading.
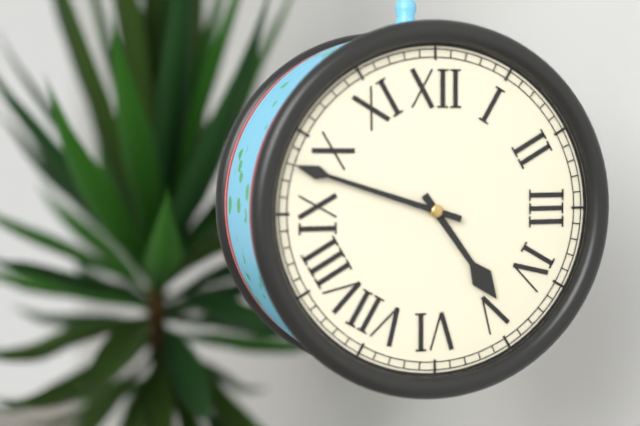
4:48
